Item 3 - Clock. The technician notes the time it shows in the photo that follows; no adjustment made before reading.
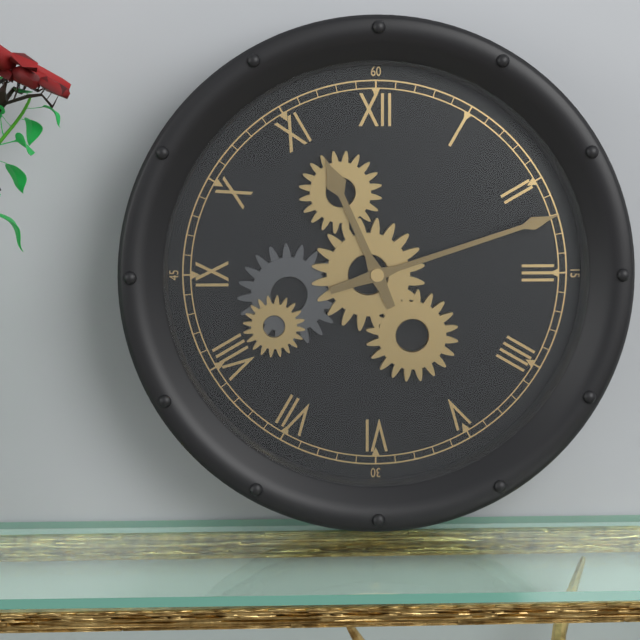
11:12
